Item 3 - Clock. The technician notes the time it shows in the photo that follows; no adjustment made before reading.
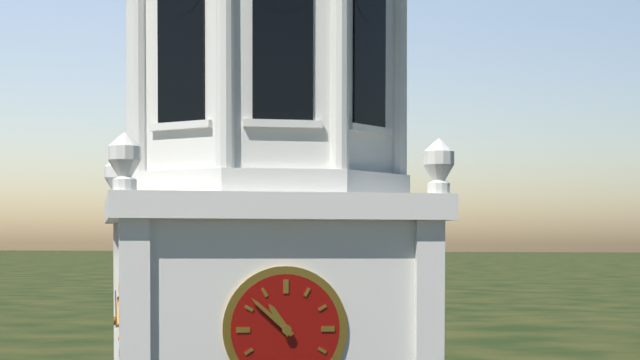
10:52
